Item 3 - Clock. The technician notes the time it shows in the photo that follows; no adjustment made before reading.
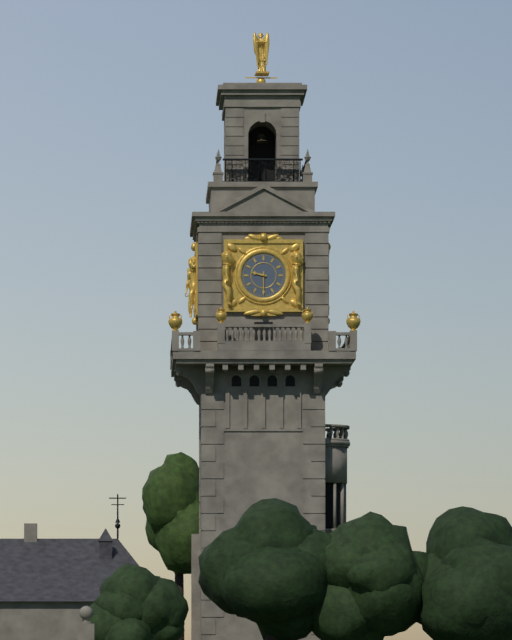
9:30
